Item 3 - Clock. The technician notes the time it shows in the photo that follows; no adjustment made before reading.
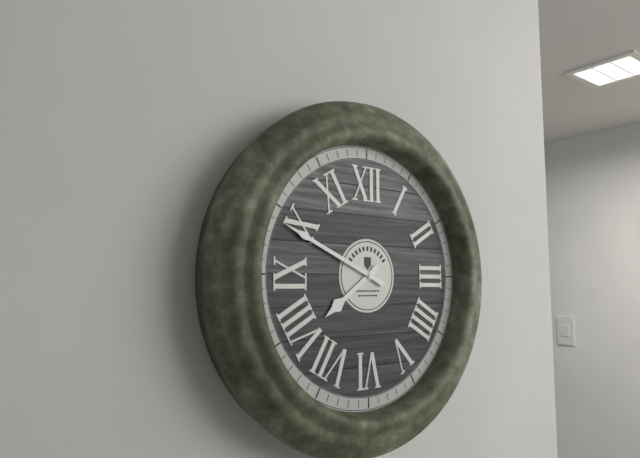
7:49
